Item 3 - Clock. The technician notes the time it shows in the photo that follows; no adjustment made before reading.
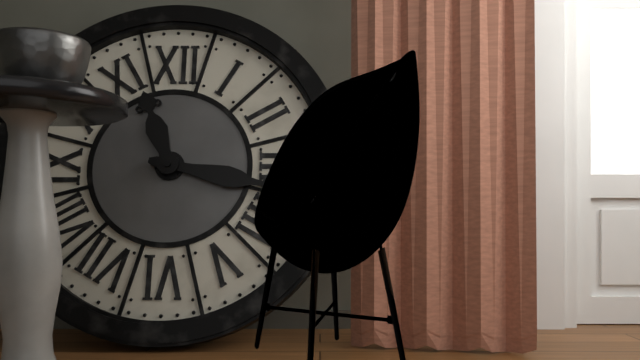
11:17
